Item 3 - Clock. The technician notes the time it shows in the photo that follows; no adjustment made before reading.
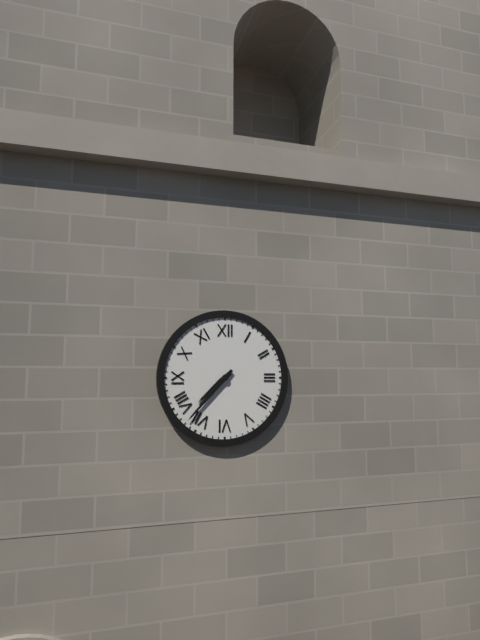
7:37
